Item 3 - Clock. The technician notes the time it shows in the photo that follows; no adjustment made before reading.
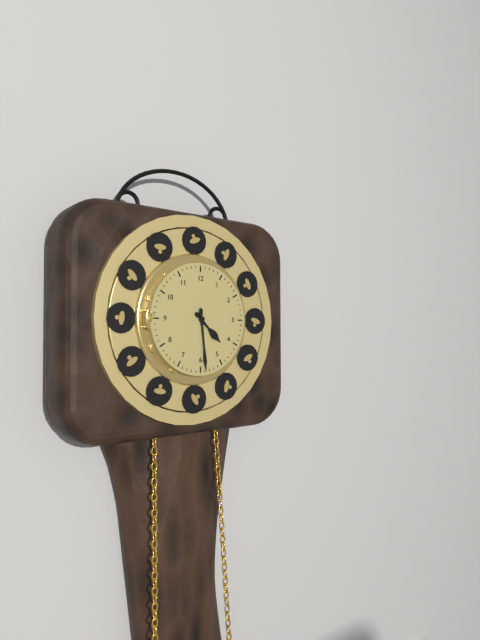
4:29
